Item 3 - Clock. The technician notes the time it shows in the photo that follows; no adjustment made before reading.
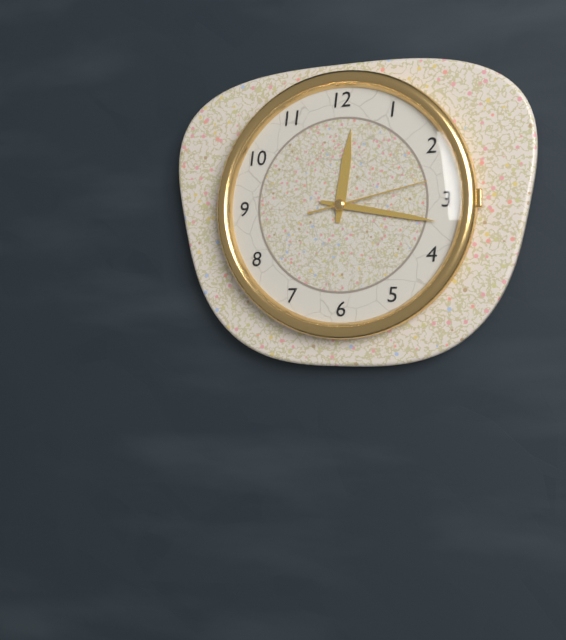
12:17:13
